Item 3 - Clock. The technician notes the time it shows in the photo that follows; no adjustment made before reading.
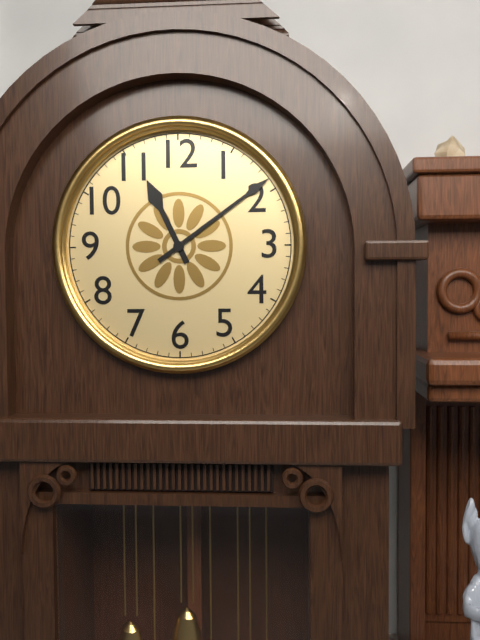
11:09
